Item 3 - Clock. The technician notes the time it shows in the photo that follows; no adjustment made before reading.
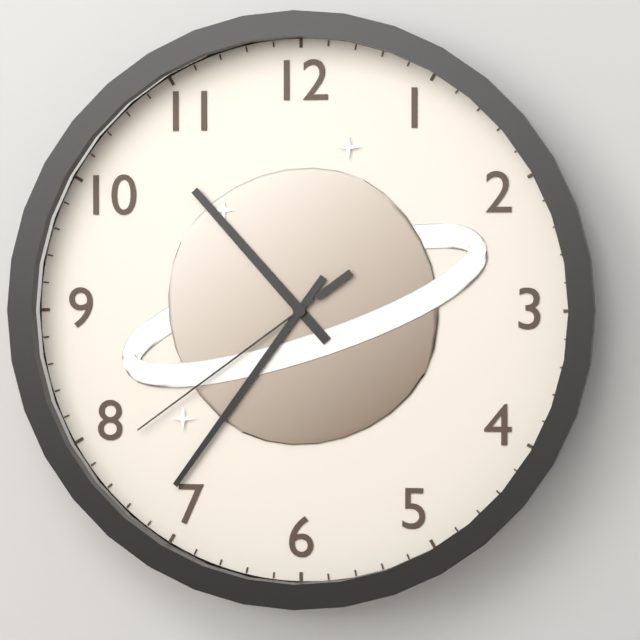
10:36:39
